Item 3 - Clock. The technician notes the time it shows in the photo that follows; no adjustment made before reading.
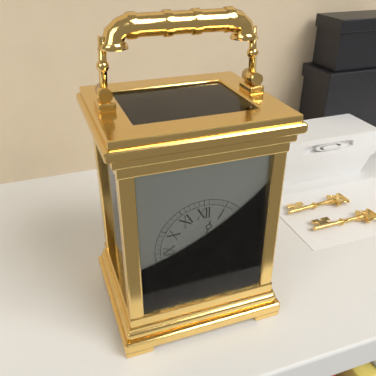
12:29
